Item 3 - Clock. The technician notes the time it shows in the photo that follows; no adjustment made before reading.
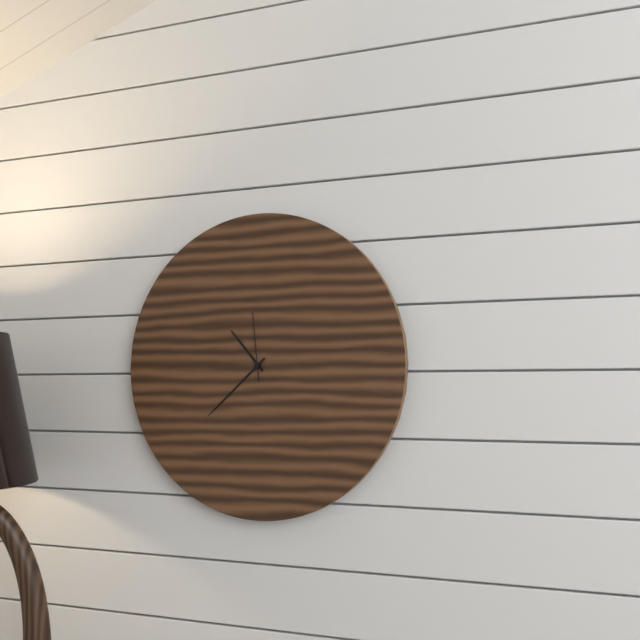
10:38:59
